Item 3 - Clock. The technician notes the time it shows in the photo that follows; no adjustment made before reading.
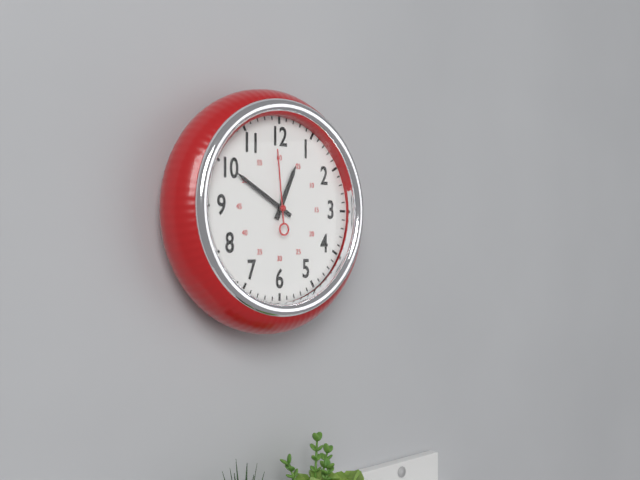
12:50:59
